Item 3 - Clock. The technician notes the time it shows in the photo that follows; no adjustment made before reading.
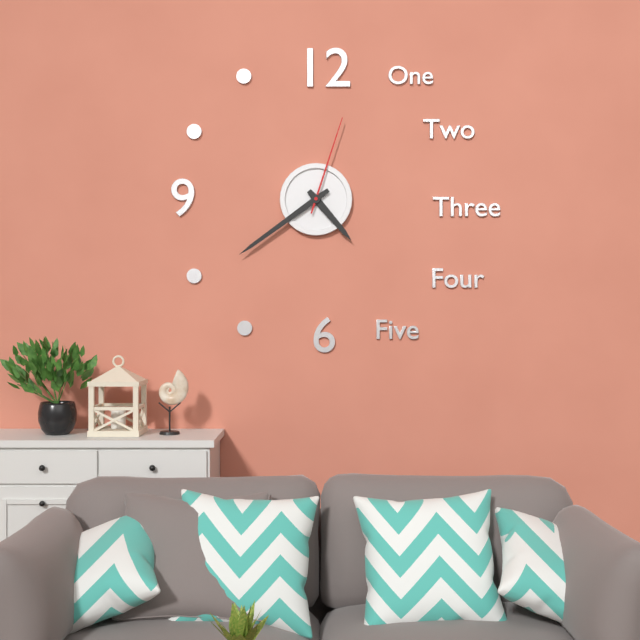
4:39:03
